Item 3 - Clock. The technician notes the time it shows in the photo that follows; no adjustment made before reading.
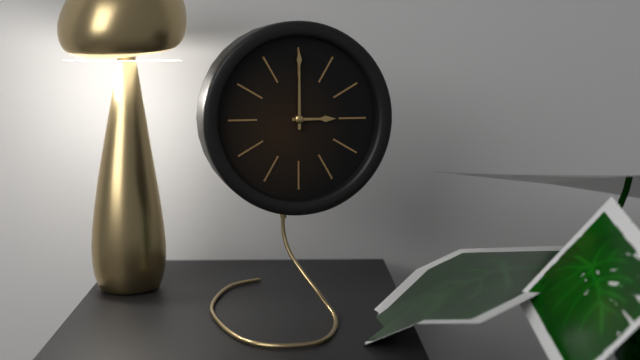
3:00
